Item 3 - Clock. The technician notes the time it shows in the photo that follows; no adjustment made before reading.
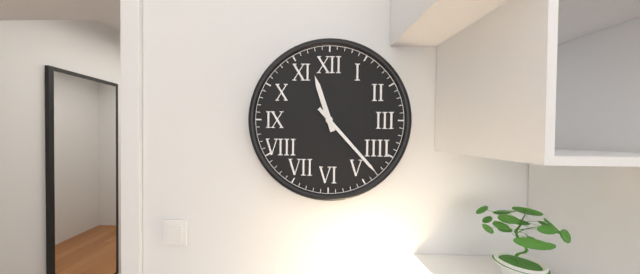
11:23
